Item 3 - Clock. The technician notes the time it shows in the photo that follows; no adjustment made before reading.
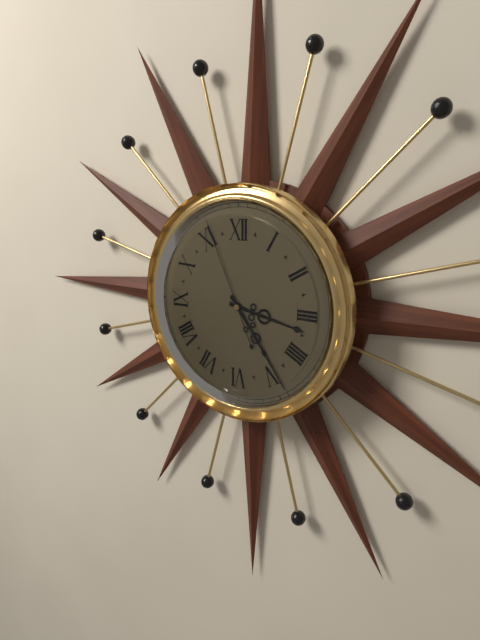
3:24:56
